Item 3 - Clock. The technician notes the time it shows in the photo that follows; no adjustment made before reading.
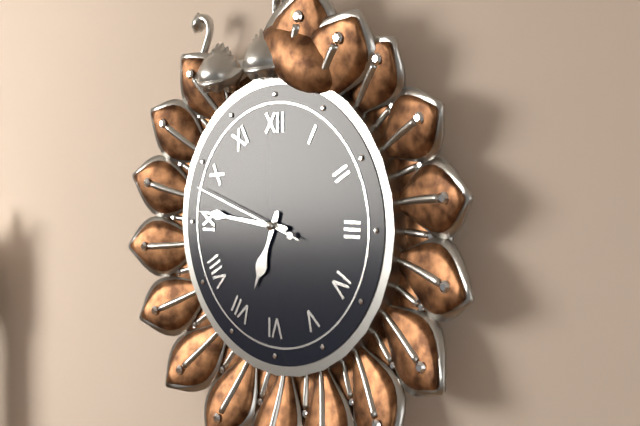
6:46:48
